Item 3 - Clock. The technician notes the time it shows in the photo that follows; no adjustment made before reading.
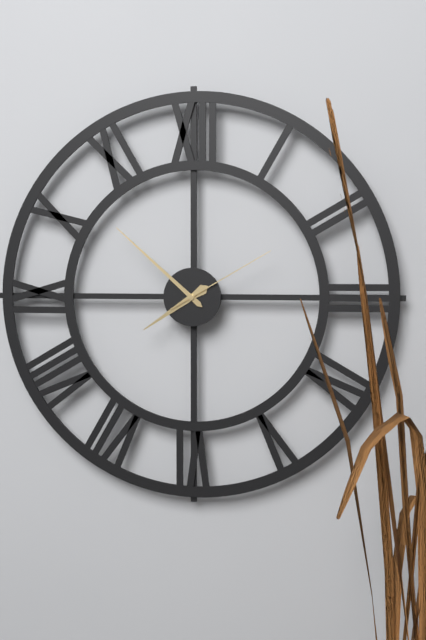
7:52:10
